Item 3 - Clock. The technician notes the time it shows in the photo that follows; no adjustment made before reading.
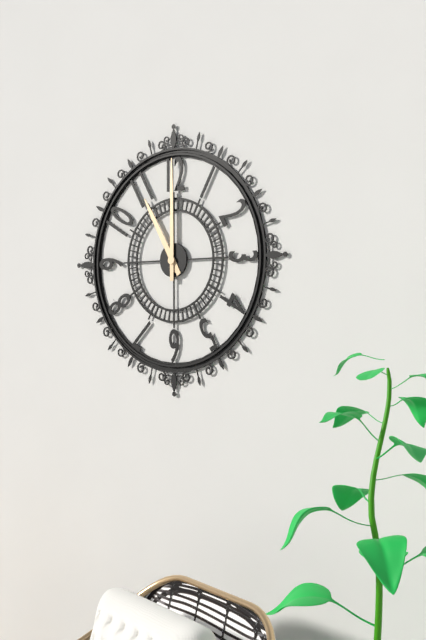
11:00
